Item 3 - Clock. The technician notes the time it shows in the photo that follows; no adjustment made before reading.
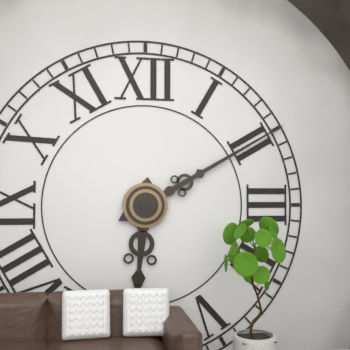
6:10
